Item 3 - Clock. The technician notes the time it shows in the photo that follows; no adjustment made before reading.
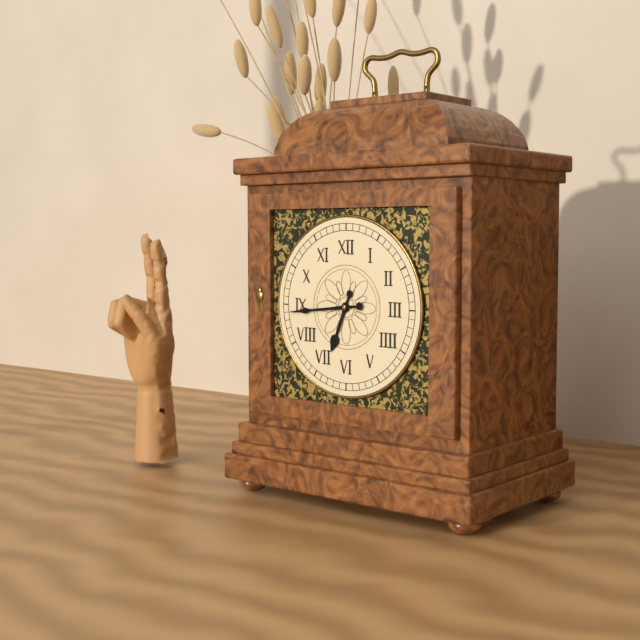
6:44
